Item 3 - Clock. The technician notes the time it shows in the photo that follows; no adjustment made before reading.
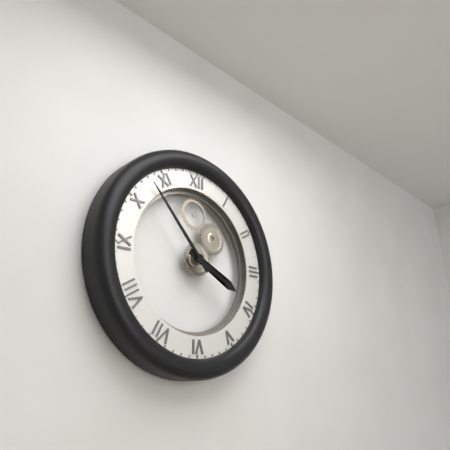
3:53
